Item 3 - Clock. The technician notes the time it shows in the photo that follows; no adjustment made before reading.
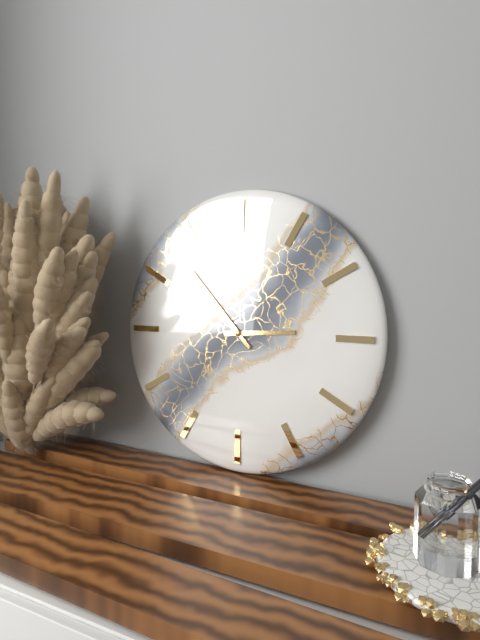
2:53
